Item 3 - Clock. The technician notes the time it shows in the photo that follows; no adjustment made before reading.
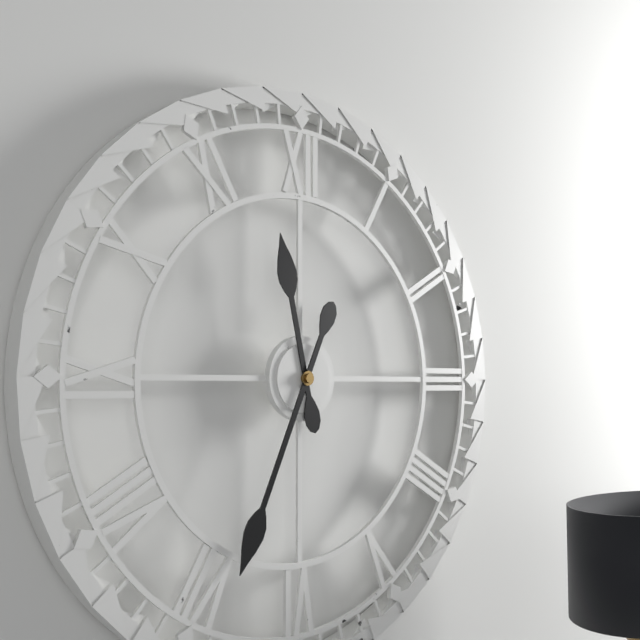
11:34
